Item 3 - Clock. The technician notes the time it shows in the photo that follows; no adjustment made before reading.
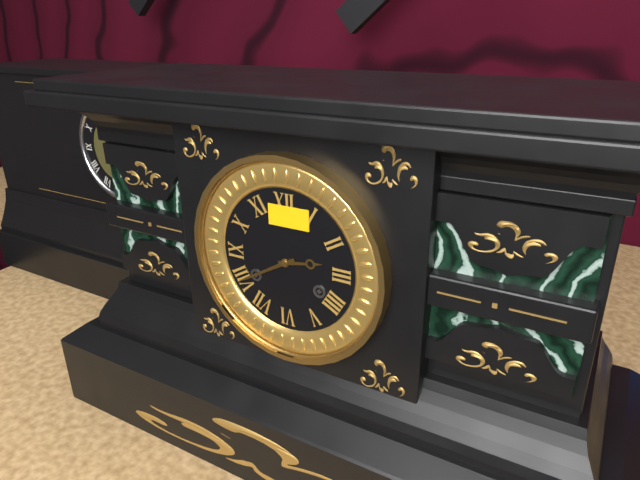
2:40
